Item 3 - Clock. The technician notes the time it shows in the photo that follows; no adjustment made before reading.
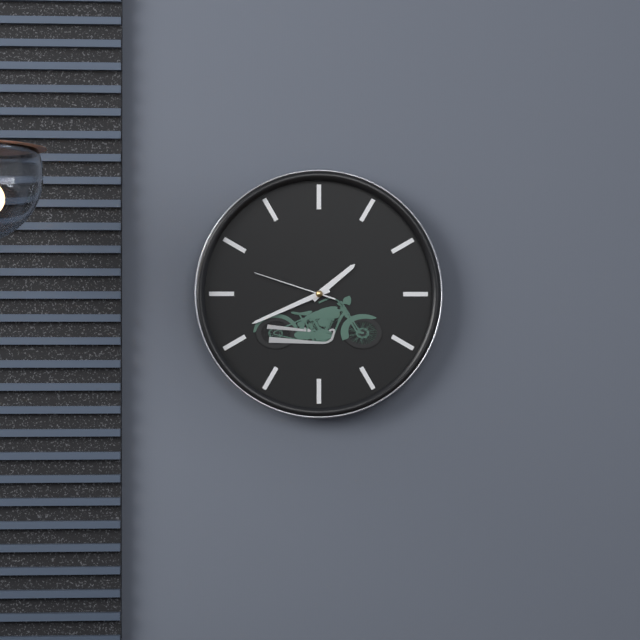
1:41:48
